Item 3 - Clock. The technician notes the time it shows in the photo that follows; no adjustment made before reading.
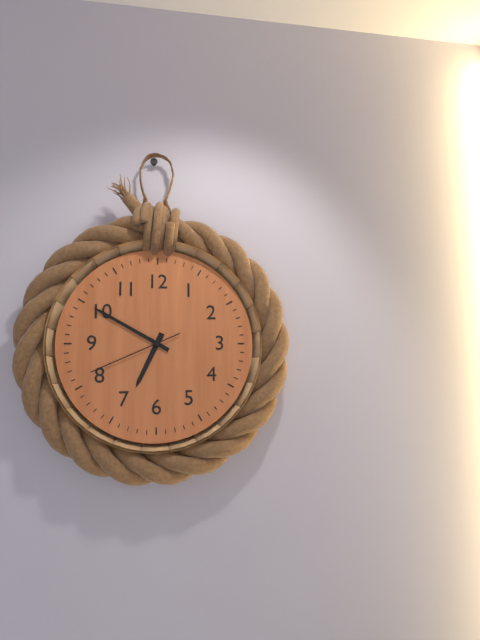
6:50:41
